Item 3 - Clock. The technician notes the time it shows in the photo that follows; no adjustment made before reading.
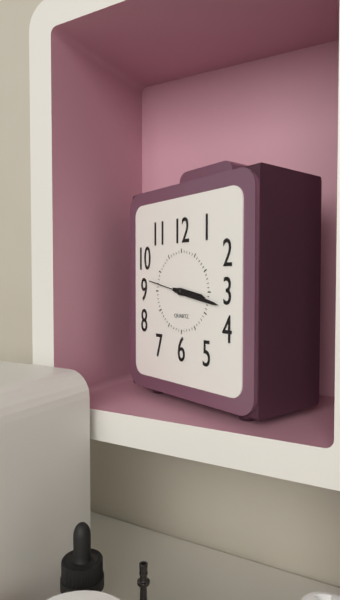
3:17
